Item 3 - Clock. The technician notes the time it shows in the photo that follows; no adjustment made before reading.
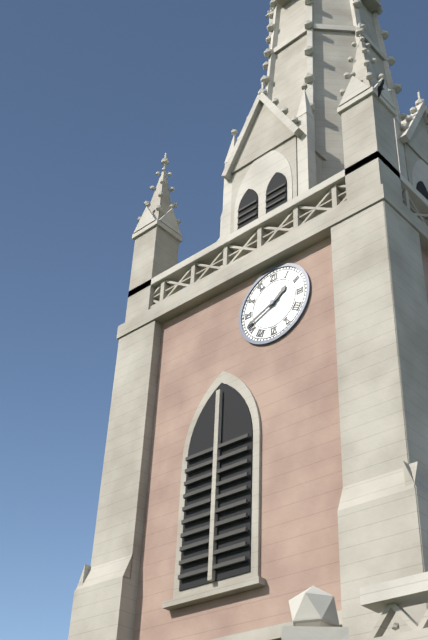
1:41
